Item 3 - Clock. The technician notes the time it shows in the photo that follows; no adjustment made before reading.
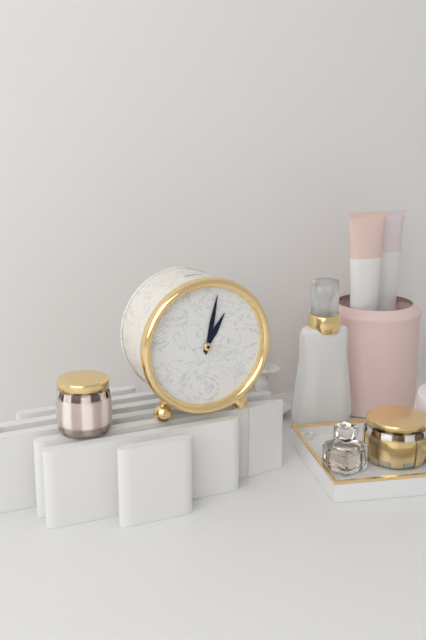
1:02
